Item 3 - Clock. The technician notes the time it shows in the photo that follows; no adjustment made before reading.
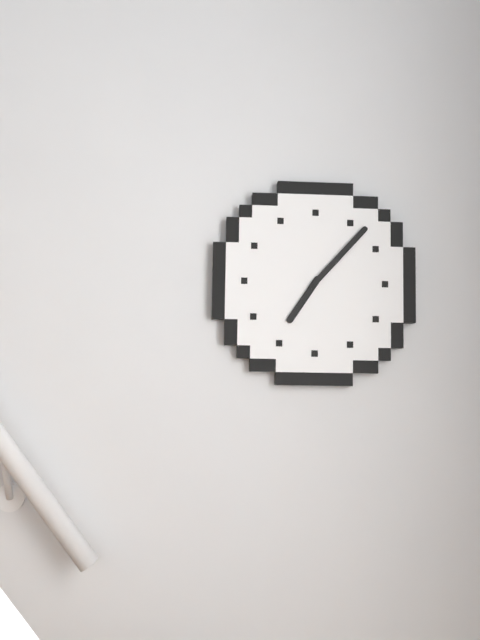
7:07
